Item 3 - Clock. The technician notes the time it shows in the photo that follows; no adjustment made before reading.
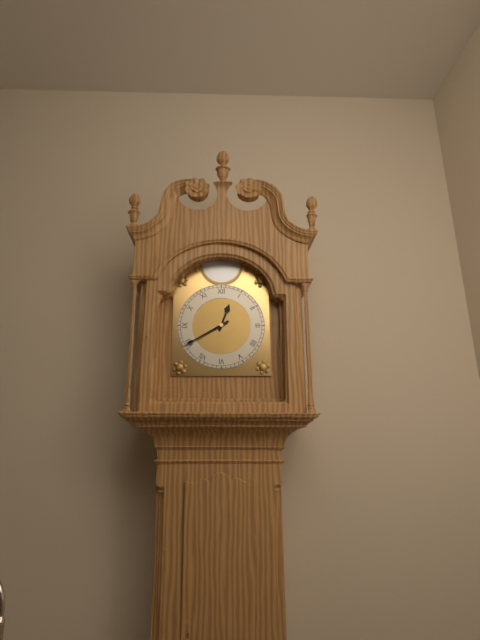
12:40
